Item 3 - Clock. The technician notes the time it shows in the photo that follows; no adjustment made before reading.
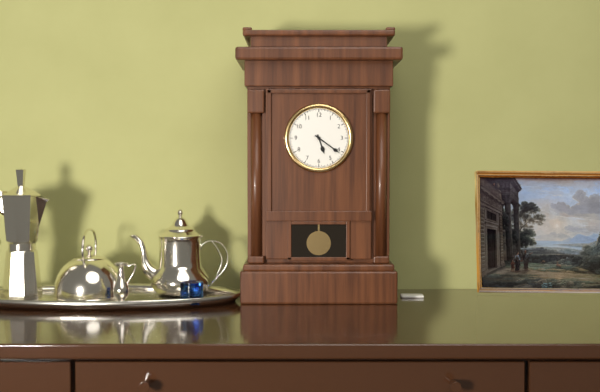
5:21
